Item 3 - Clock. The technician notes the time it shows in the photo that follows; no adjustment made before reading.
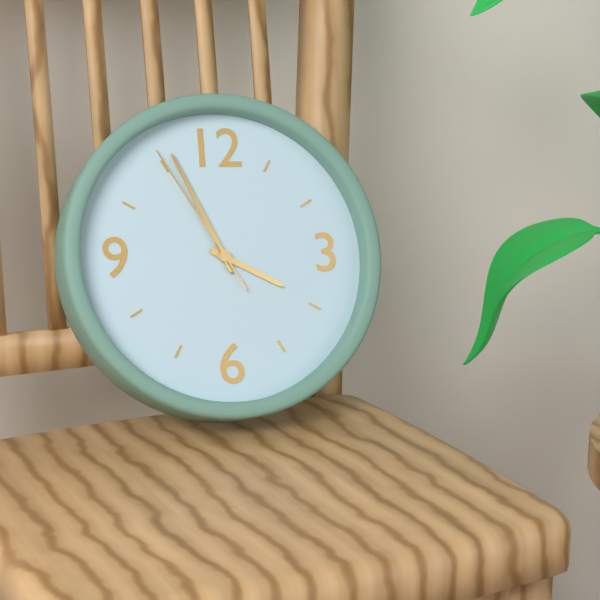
3:56:55
